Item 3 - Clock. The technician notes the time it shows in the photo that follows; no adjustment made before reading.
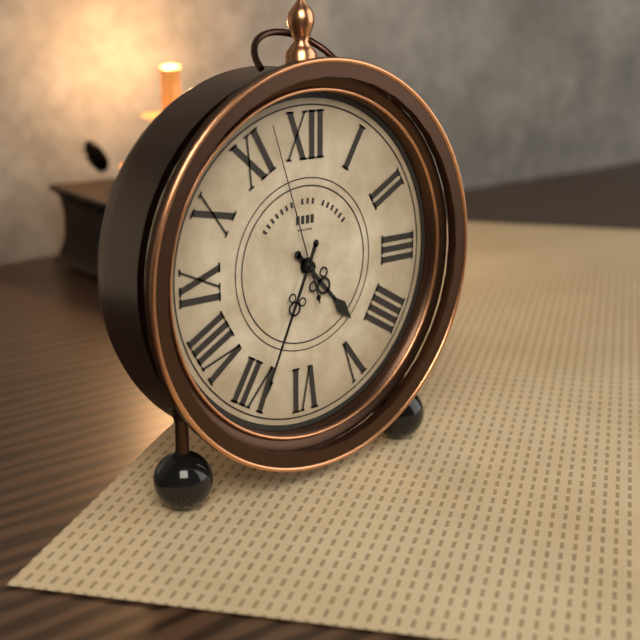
4:34:57
